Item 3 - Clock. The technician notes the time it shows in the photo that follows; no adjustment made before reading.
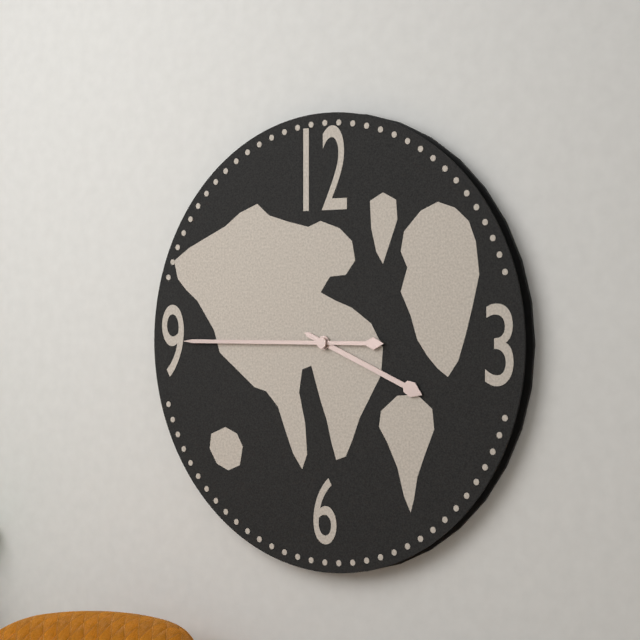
3:45
